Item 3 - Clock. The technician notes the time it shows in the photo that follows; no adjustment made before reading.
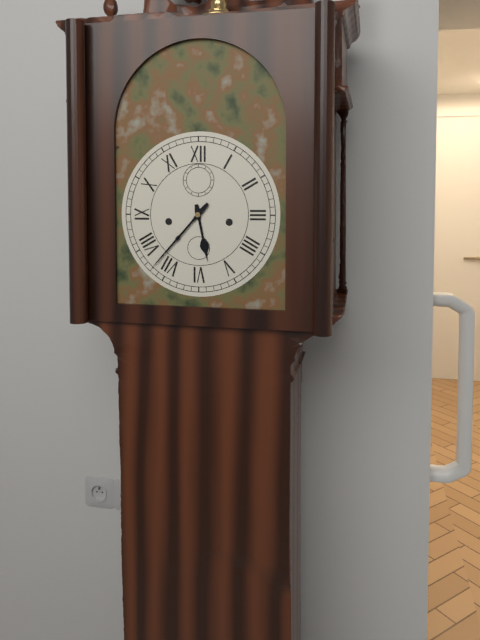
5:37
